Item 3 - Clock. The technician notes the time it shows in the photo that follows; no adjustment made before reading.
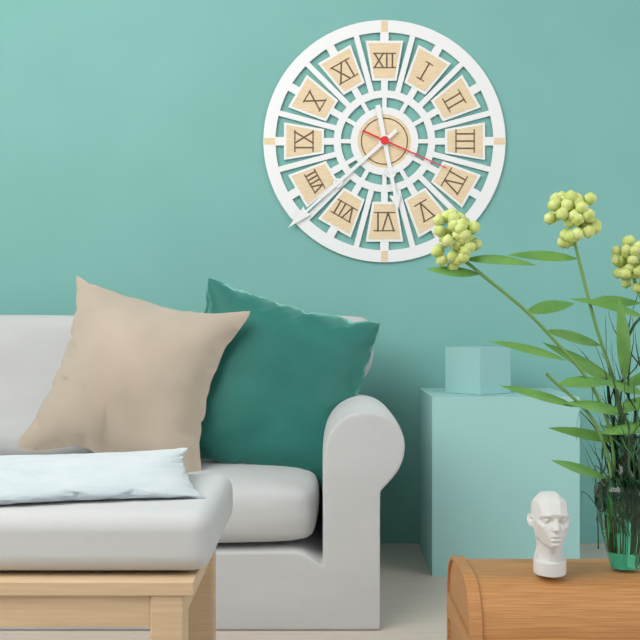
5:38:19
